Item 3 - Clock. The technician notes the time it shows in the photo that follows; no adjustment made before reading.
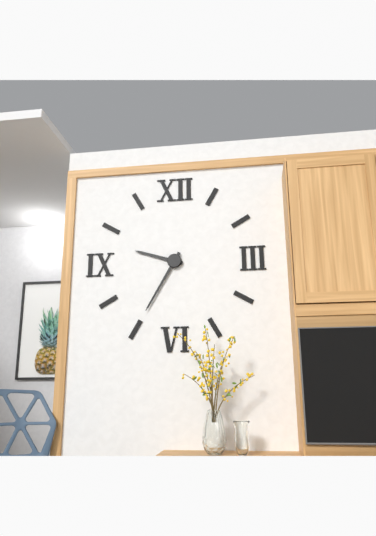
9:35
